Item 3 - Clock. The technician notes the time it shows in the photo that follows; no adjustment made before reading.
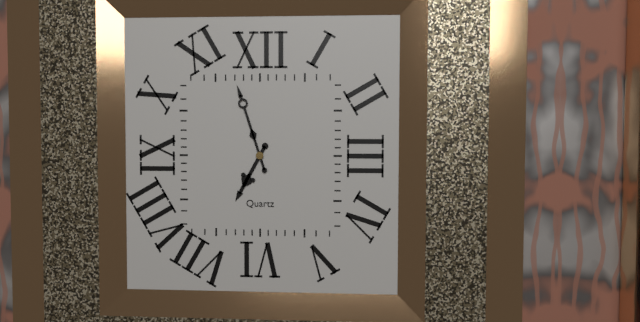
6:57
